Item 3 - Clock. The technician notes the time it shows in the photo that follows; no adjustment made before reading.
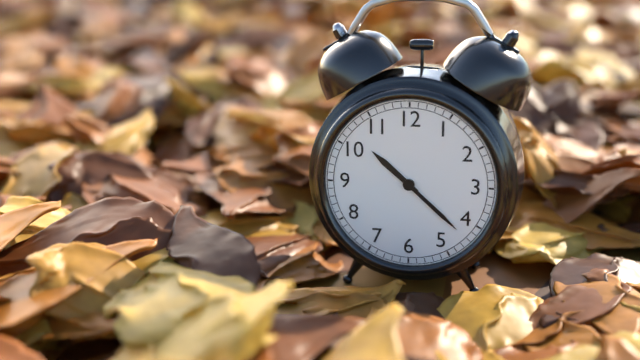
10:22
